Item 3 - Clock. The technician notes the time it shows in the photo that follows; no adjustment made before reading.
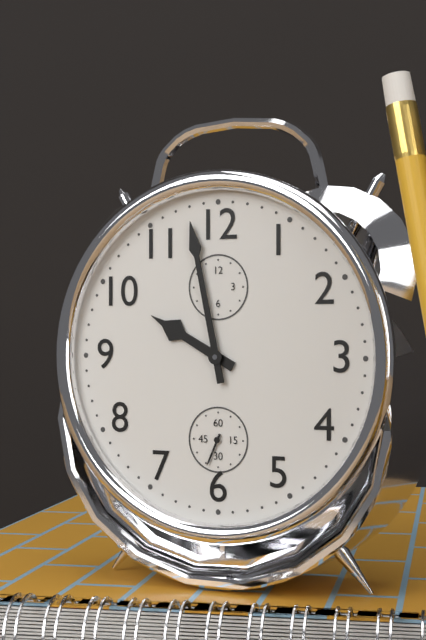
9:58
